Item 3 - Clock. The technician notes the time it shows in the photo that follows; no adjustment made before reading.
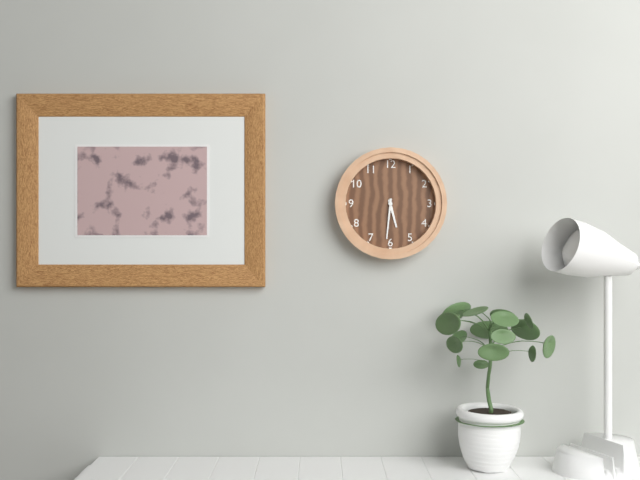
5:31
